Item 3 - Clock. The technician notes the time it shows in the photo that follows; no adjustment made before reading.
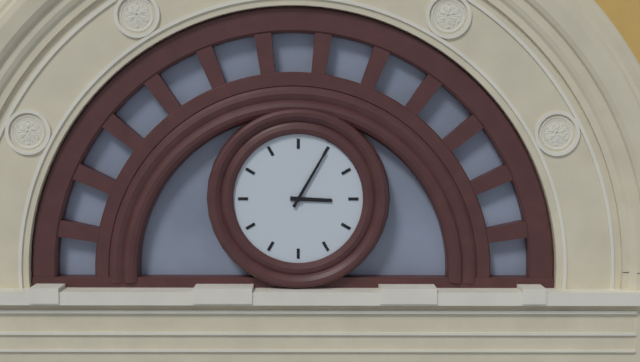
3:05
